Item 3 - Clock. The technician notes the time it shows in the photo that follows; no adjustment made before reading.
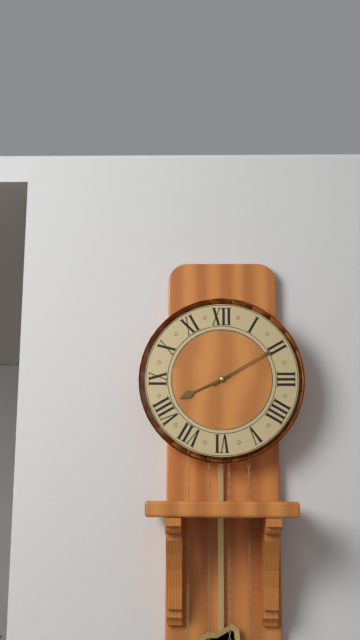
8:10
